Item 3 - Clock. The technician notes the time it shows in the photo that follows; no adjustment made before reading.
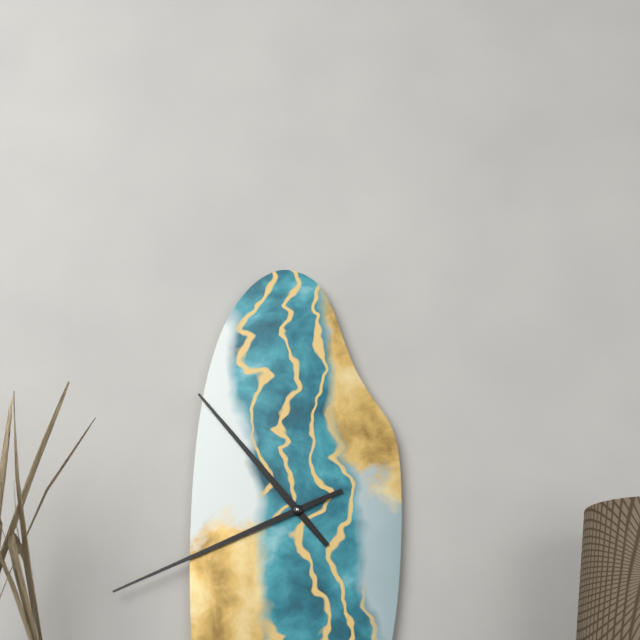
10:41
